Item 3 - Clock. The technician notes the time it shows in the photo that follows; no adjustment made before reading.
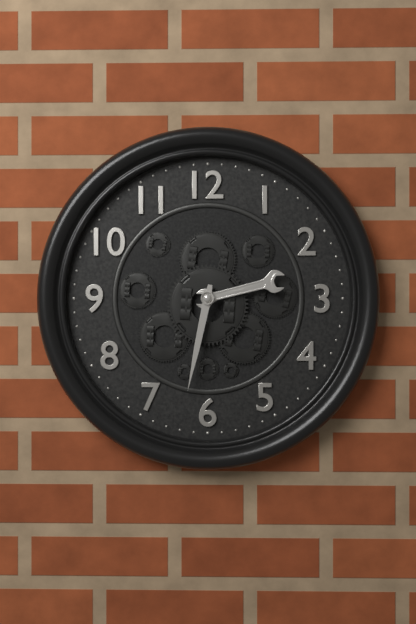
2:32
